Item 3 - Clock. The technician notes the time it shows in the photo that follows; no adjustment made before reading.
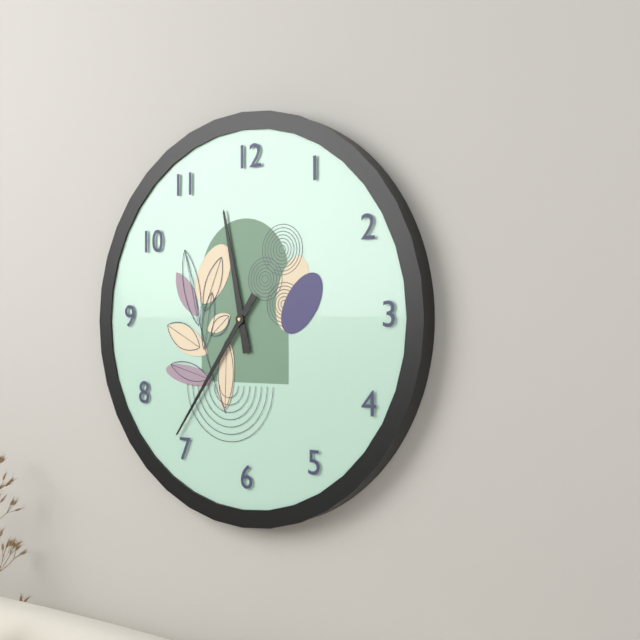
11:36
